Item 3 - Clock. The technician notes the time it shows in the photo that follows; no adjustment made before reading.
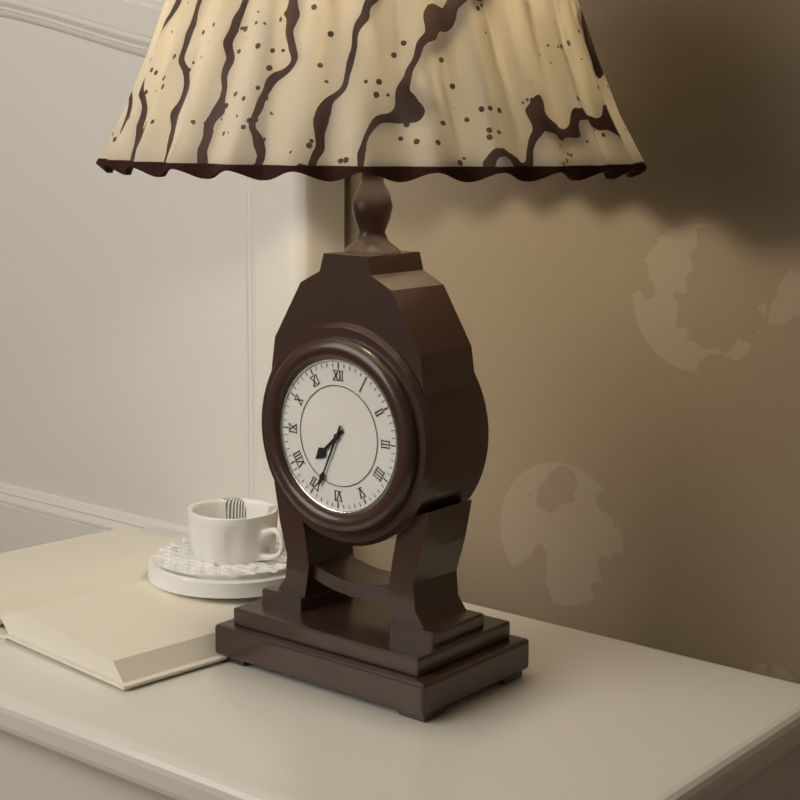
7:34
